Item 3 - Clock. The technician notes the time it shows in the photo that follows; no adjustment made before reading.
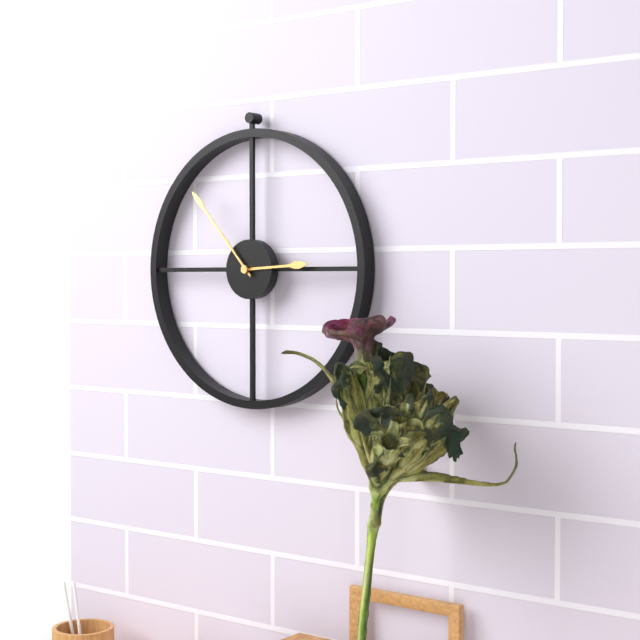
2:53
